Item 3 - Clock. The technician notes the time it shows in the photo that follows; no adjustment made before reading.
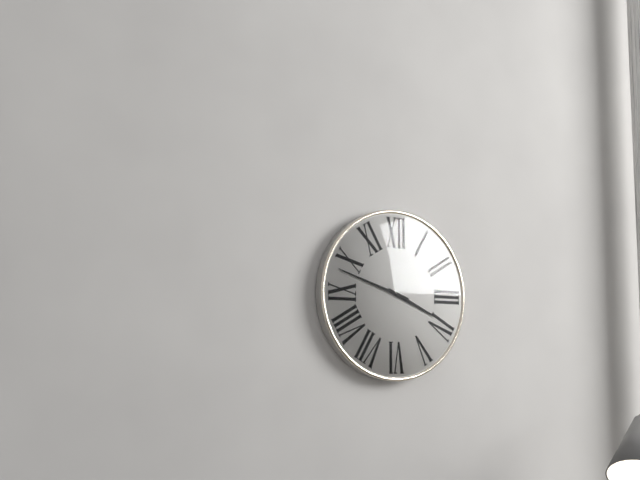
3:48
